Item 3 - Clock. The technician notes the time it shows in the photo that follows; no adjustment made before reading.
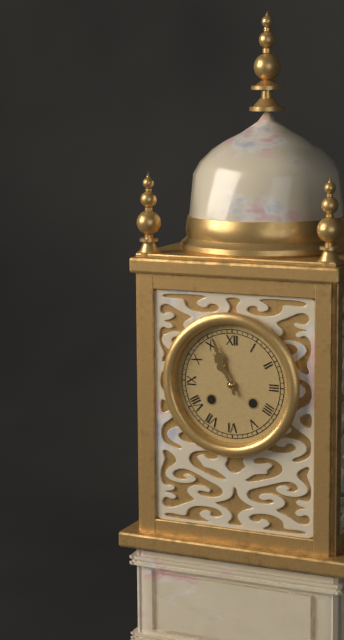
10:56
